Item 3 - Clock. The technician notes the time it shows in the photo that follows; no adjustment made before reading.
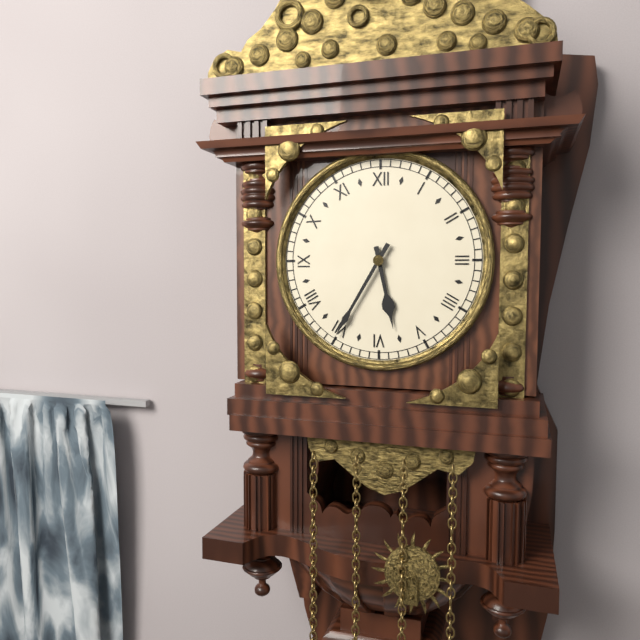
5:35
